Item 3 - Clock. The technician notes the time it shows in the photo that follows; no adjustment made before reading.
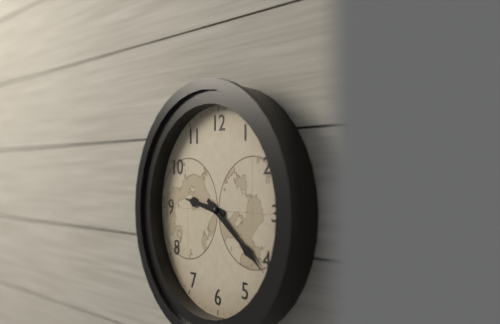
9:21
